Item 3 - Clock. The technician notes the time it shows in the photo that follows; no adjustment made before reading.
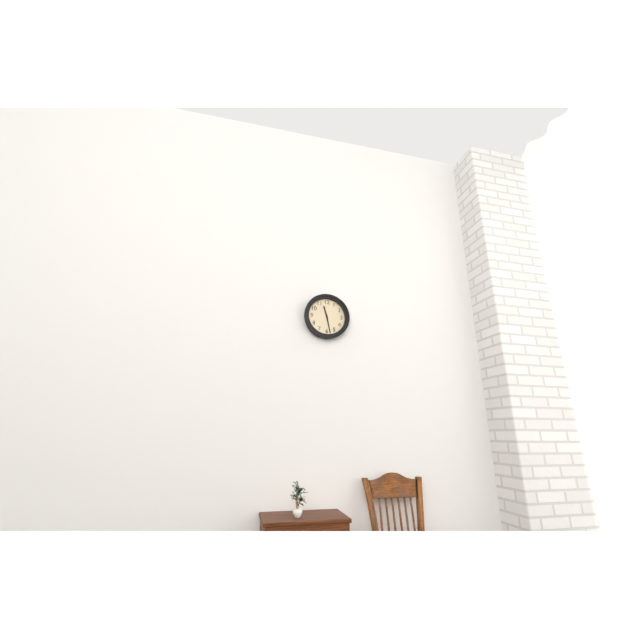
11:28
